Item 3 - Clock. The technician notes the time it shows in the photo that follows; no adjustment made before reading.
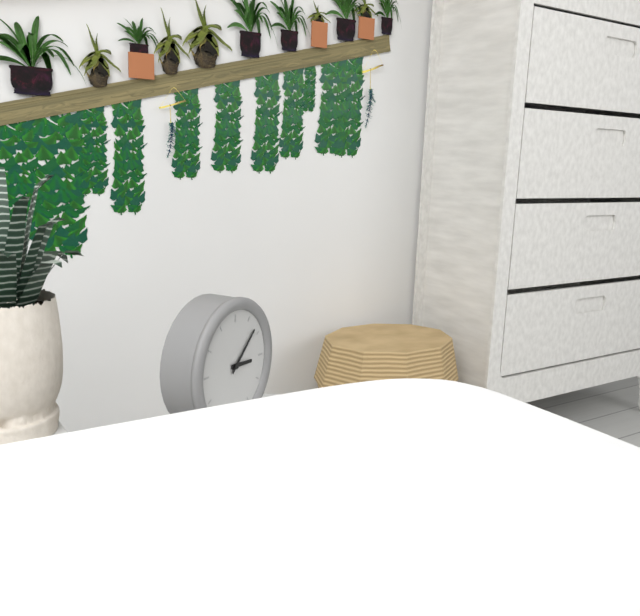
3:08
